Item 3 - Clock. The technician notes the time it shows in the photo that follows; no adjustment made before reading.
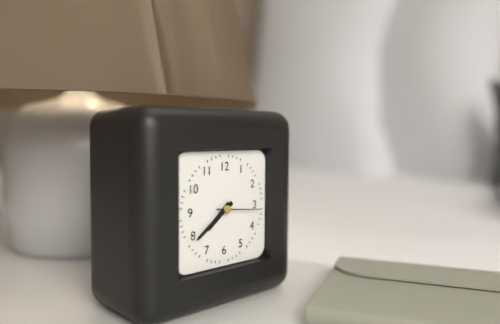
7:39
